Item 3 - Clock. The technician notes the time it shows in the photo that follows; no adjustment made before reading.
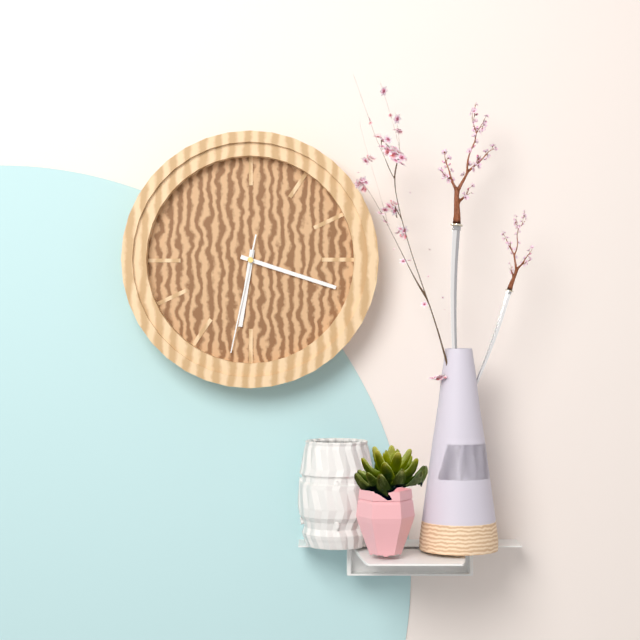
6:18:32
